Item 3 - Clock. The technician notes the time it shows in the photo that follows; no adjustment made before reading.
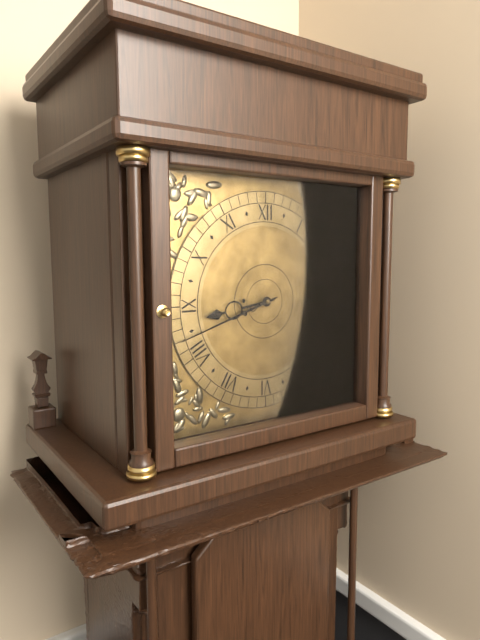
8:42
